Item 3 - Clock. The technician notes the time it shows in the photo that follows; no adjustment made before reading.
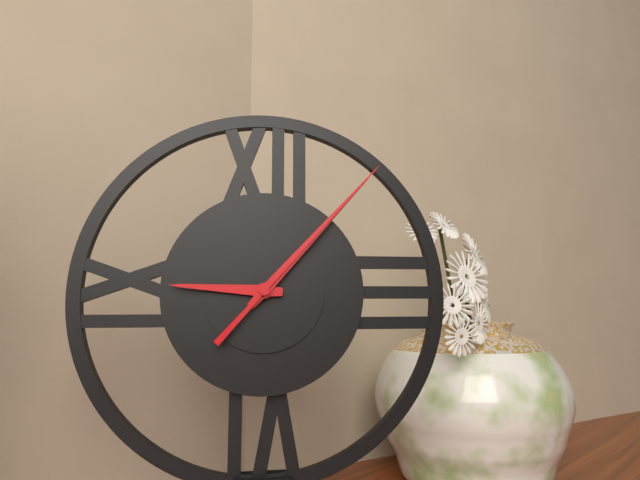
9:07:07
